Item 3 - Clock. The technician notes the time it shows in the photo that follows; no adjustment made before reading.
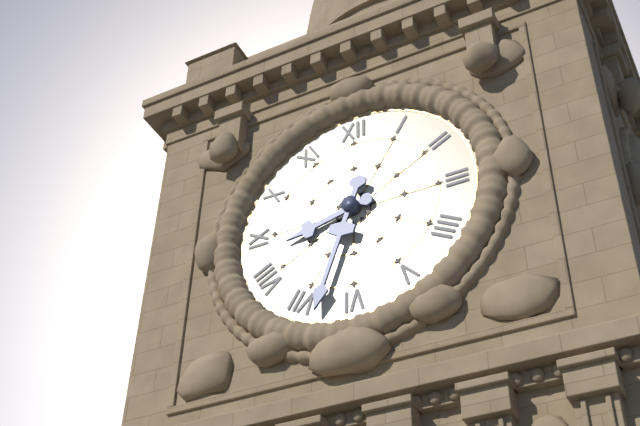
8:33
